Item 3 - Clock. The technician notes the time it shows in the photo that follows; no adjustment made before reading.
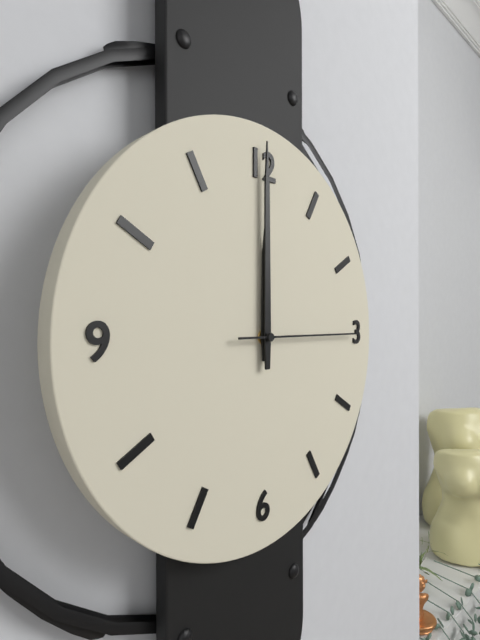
12:00:15
